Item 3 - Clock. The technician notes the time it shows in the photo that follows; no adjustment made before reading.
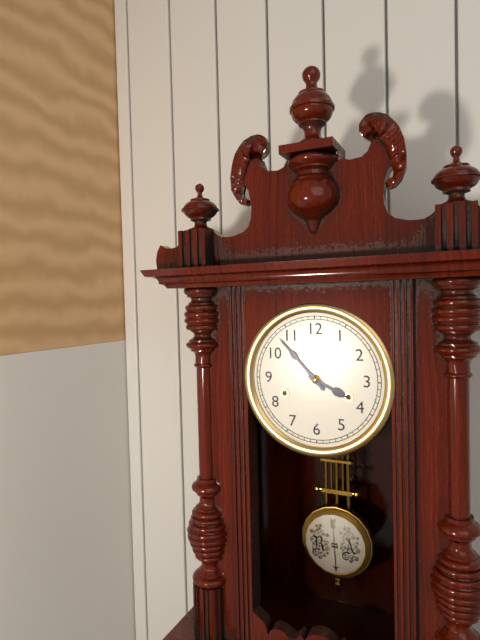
3:53
